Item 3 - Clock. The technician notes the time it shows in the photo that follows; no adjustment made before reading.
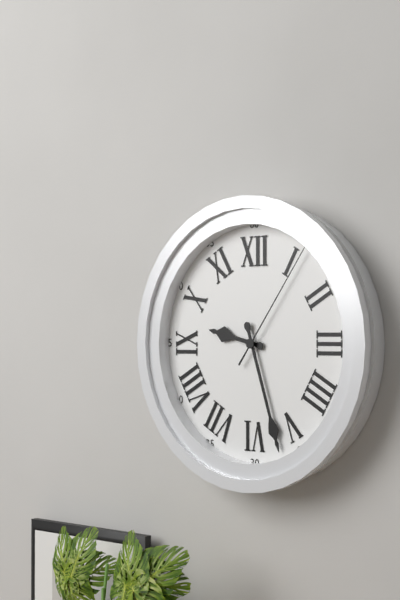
9:27:06
